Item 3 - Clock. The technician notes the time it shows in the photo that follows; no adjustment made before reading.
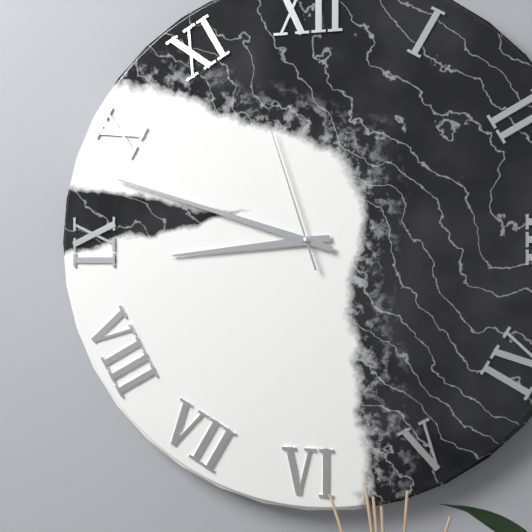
8:48:57
